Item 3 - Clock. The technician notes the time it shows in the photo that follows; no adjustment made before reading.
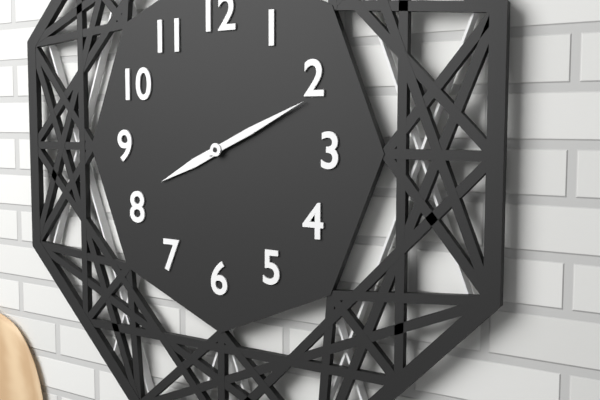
8:11
